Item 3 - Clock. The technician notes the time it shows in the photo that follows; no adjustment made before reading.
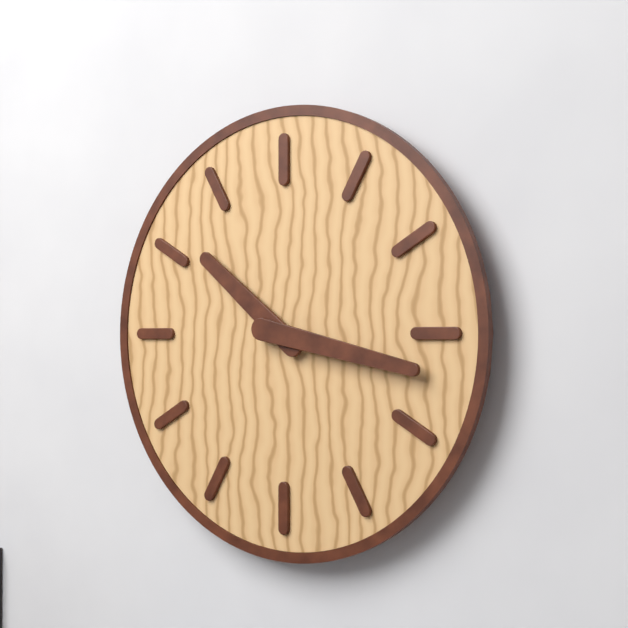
10:17
